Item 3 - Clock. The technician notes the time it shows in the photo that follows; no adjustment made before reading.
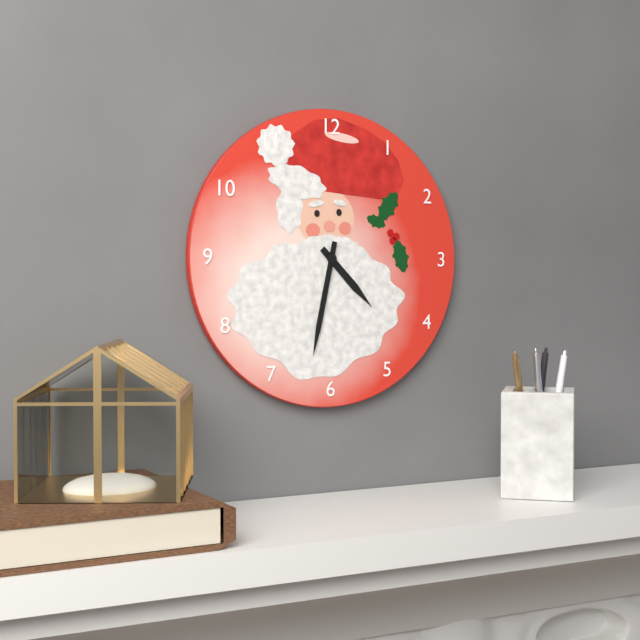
4:32
